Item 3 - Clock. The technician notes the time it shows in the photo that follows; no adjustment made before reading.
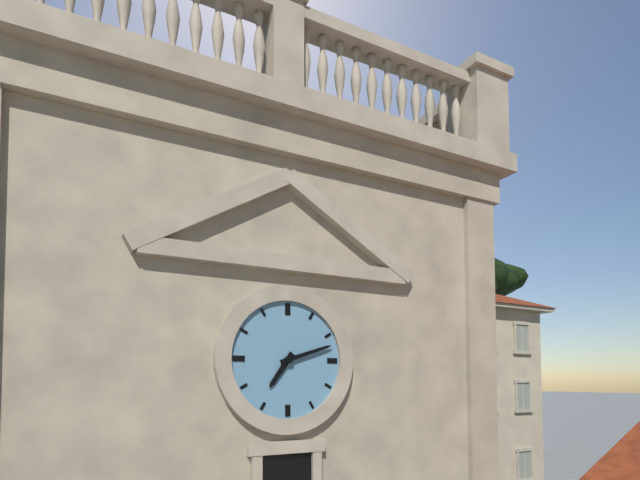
7:12
